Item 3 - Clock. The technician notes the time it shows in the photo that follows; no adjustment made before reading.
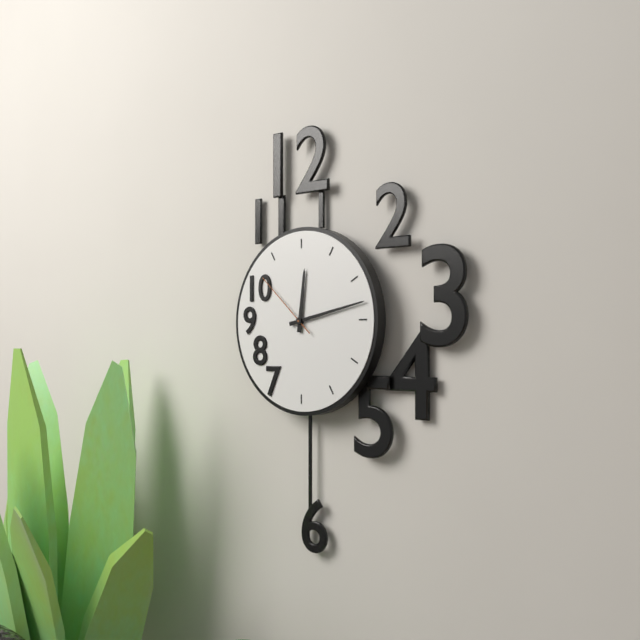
12:13:52
